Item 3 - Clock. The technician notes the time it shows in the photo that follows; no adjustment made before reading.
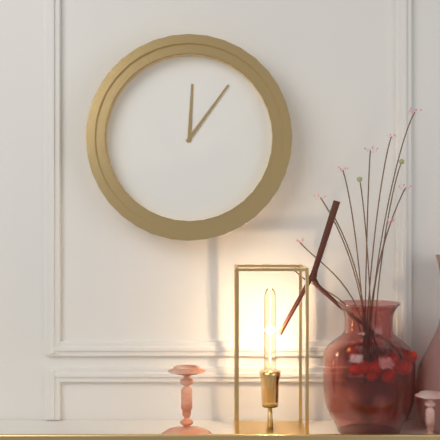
12:06
